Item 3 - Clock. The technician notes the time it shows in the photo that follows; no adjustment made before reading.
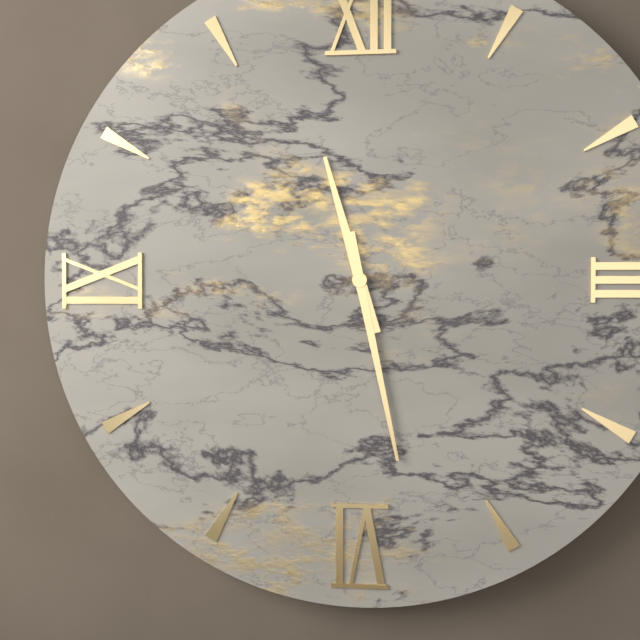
11:28
